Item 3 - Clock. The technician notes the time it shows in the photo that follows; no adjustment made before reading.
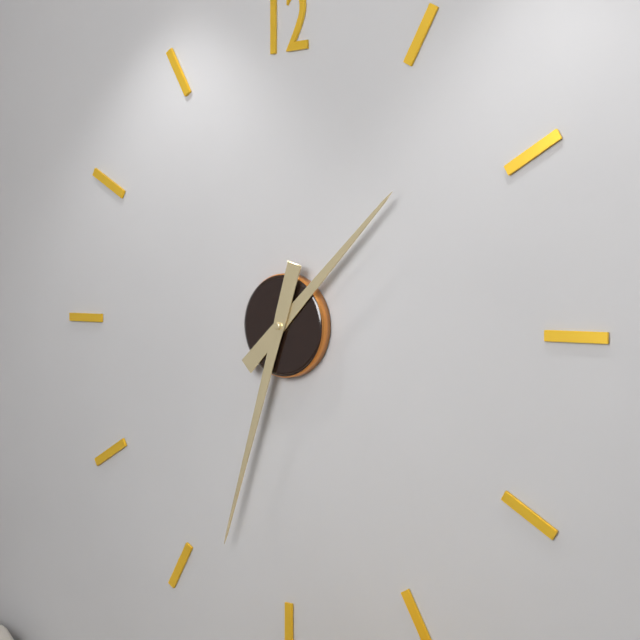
1:33
